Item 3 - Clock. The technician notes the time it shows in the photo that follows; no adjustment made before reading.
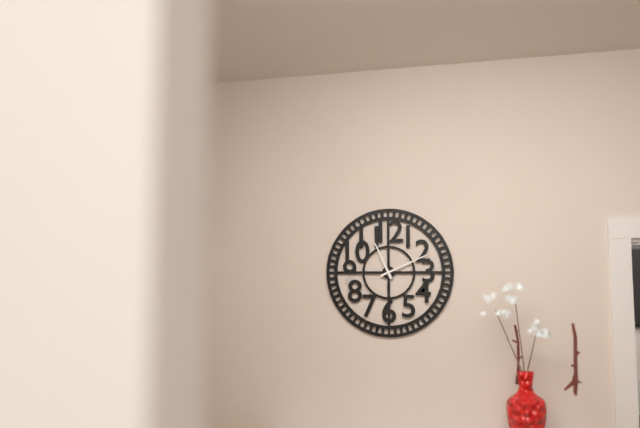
11:11
